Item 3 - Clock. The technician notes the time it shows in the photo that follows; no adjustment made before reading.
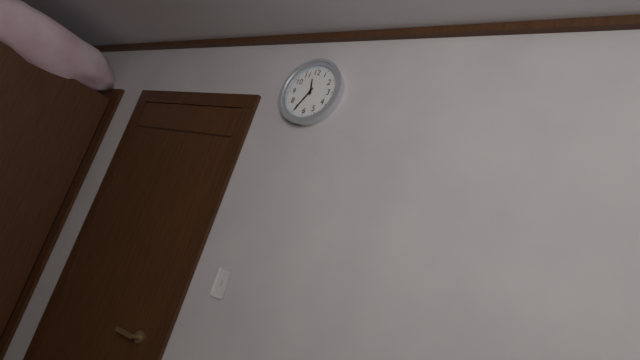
11:35
